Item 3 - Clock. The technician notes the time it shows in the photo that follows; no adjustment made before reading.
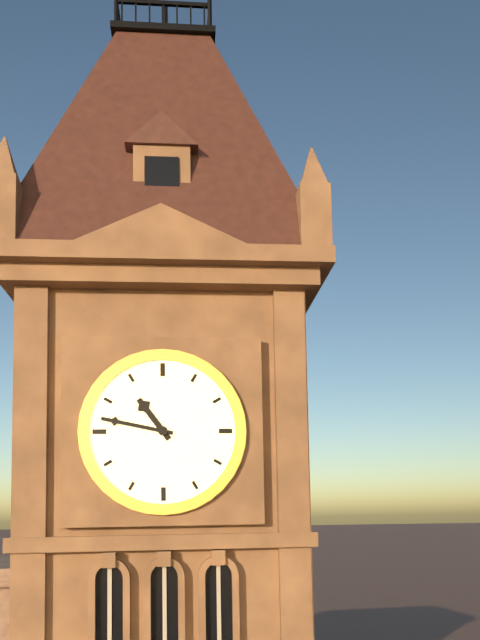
10:47
